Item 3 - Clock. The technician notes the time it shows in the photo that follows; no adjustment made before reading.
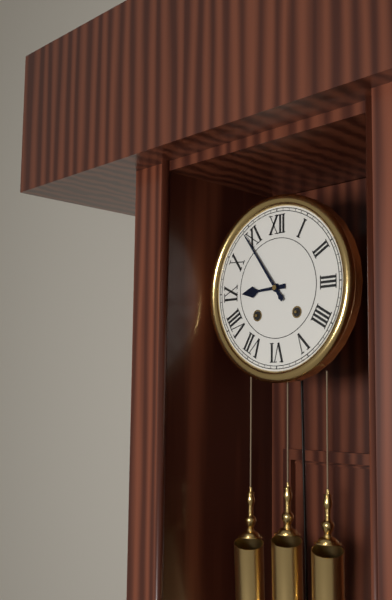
8:54
